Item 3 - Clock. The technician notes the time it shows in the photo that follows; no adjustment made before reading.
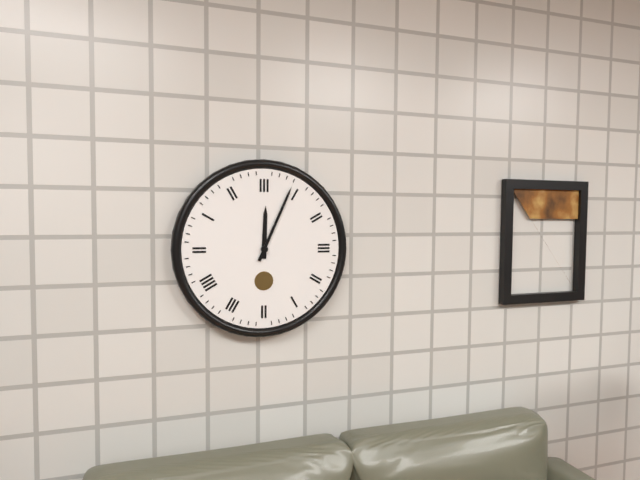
12:04
